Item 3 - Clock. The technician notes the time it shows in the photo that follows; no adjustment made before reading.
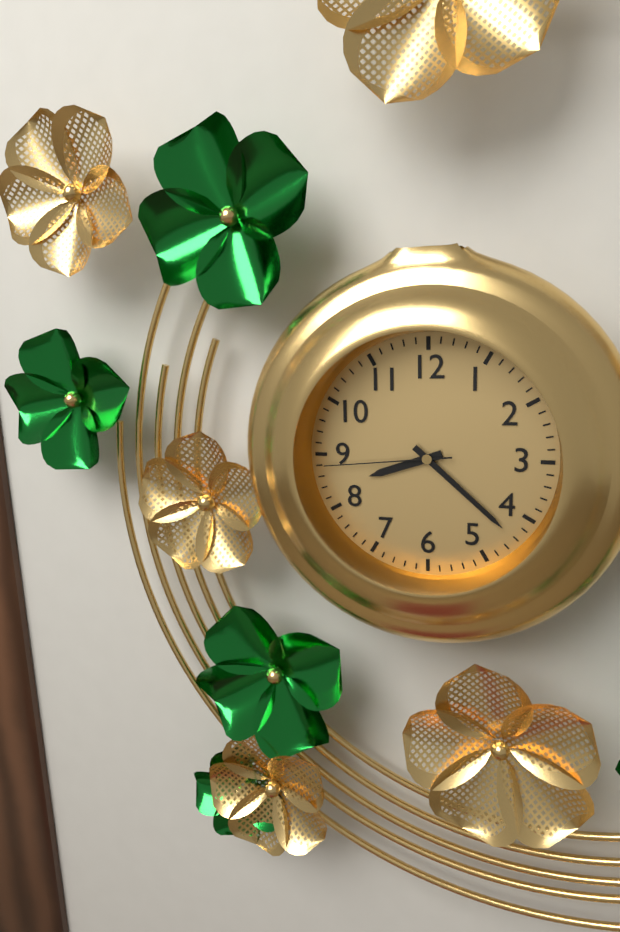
8:22:44
